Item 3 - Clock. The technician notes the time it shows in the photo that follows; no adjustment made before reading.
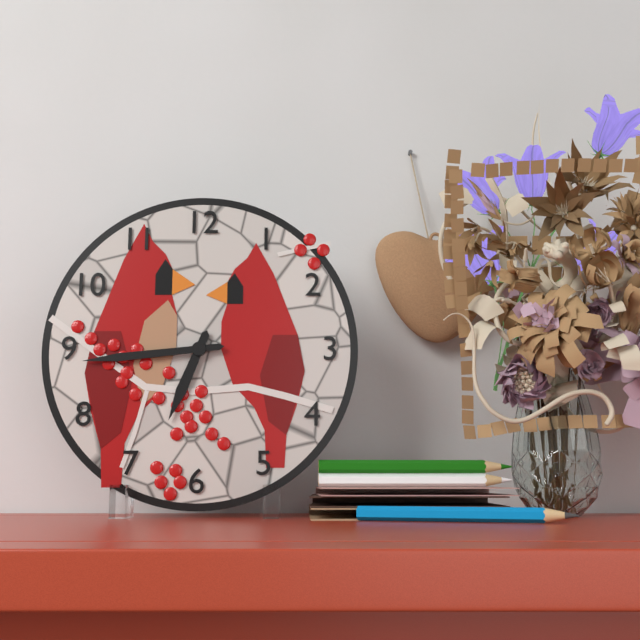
6:44
